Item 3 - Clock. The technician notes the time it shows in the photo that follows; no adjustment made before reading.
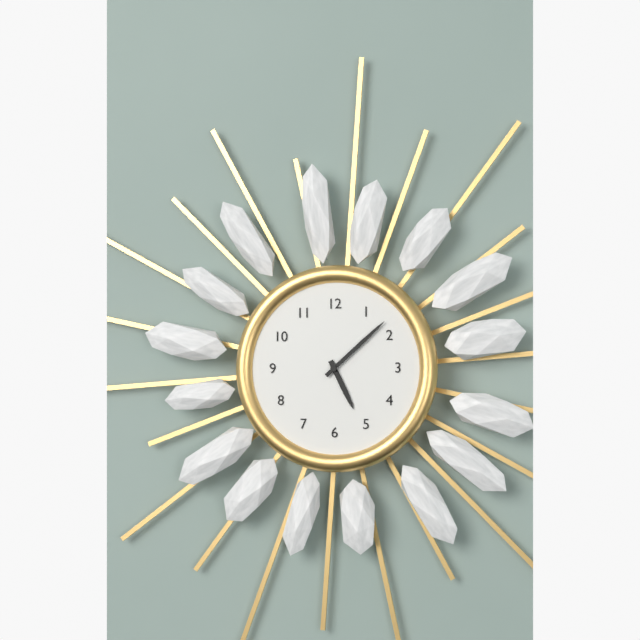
5:08
